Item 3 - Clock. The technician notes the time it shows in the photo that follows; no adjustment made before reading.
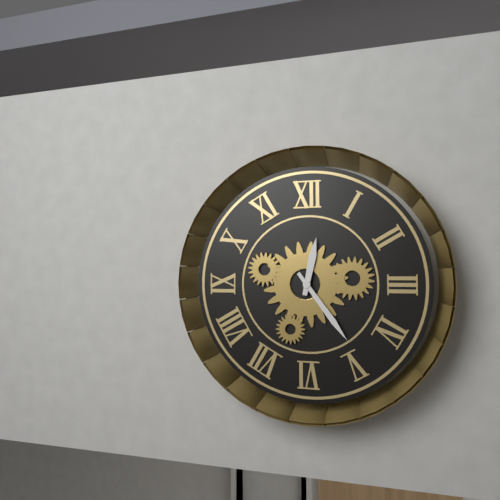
12:24
